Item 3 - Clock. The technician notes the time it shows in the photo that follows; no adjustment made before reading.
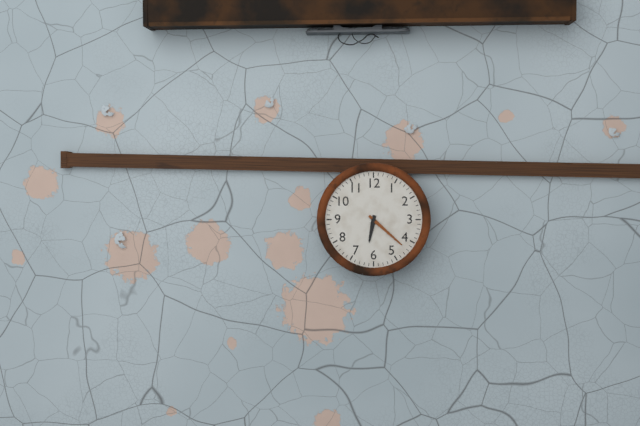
6:22
